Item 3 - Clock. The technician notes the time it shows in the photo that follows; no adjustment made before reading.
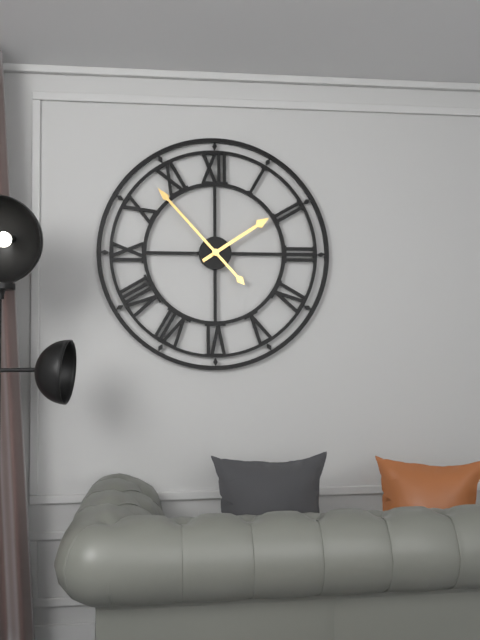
1:53
